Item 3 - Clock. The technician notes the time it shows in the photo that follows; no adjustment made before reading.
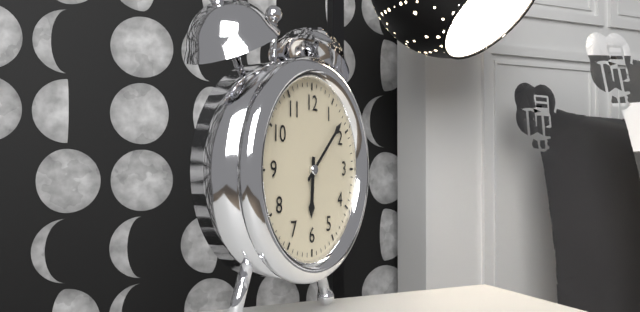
6:08
